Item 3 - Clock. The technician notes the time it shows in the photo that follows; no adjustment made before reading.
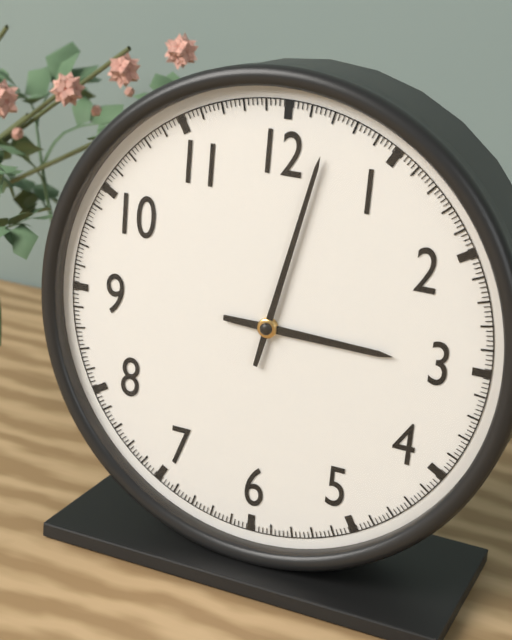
3:02
